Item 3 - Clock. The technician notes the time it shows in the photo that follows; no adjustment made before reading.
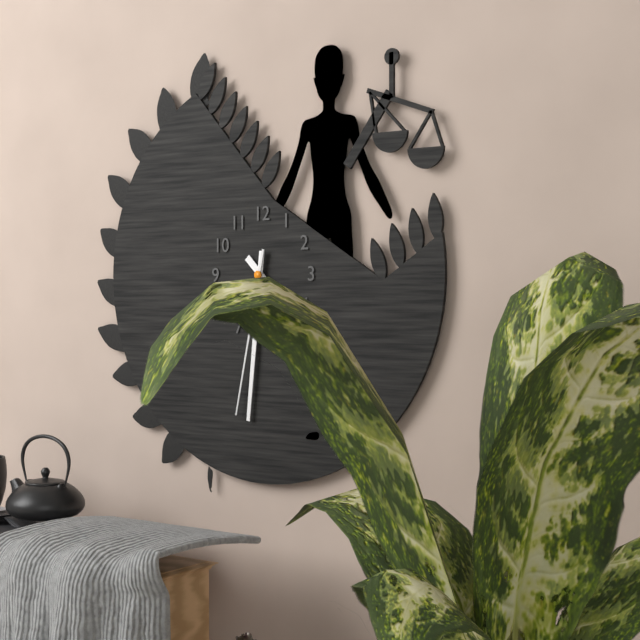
4:31:32
